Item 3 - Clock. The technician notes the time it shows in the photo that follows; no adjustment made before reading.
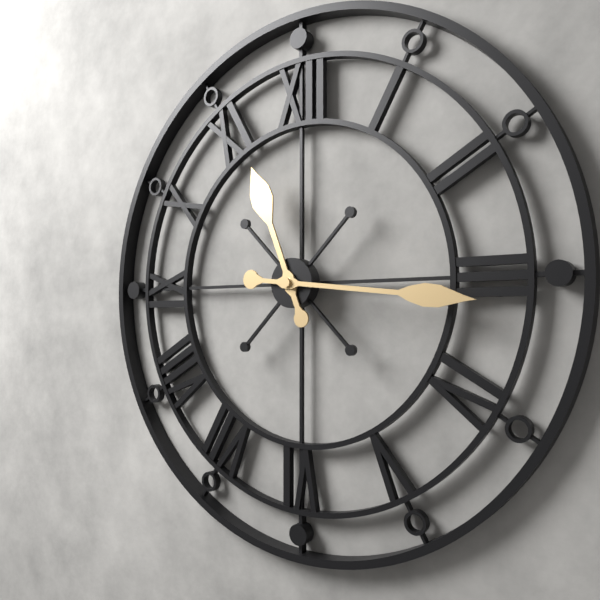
11:16
